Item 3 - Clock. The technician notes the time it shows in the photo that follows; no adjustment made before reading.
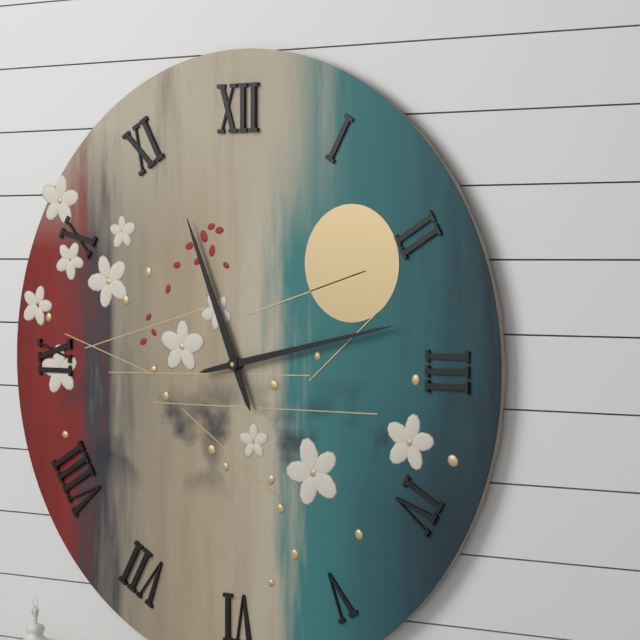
11:13
